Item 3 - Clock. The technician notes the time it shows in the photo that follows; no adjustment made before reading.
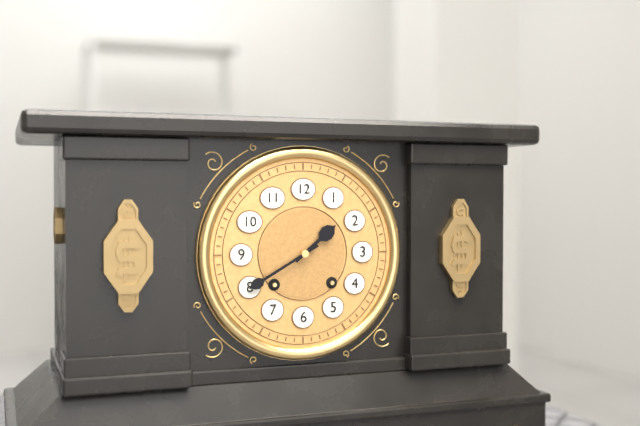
1:40
